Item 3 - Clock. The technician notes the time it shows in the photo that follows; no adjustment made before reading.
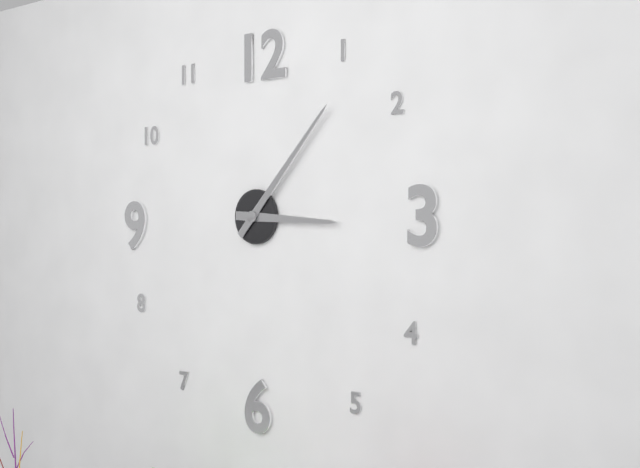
3:07
